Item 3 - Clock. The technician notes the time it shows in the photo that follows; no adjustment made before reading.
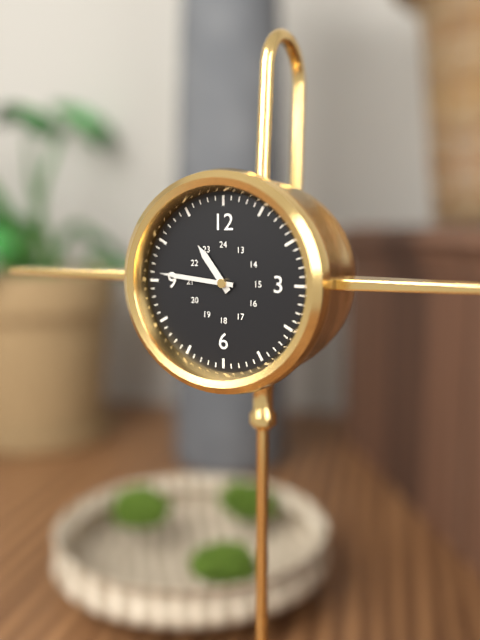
10:46
